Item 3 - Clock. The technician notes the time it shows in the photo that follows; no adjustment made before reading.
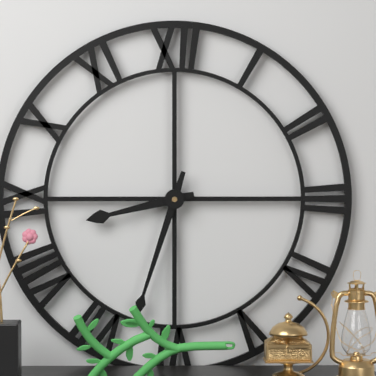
8:33
